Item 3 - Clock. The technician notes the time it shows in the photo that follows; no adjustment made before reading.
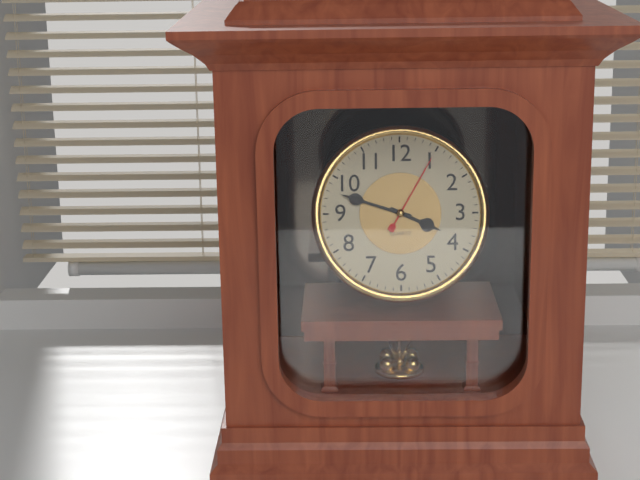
3:48:05
